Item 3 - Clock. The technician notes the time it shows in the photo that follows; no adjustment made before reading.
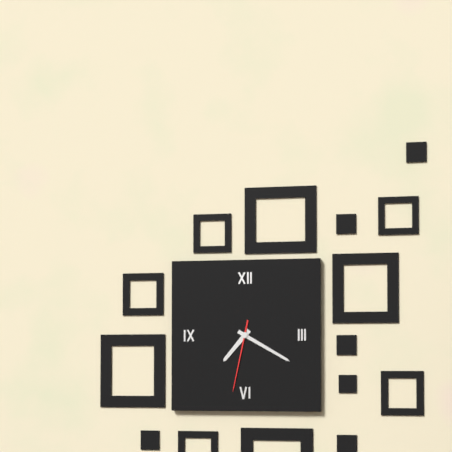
7:20:32
